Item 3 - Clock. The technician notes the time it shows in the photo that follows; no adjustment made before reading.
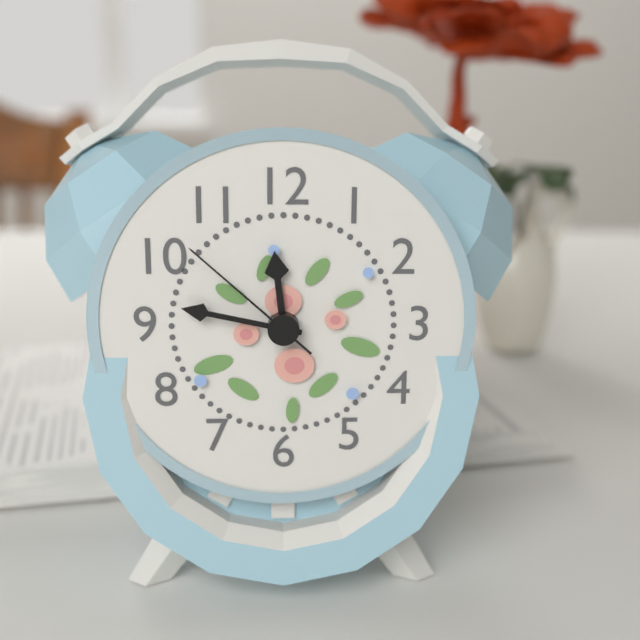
11:47:52
